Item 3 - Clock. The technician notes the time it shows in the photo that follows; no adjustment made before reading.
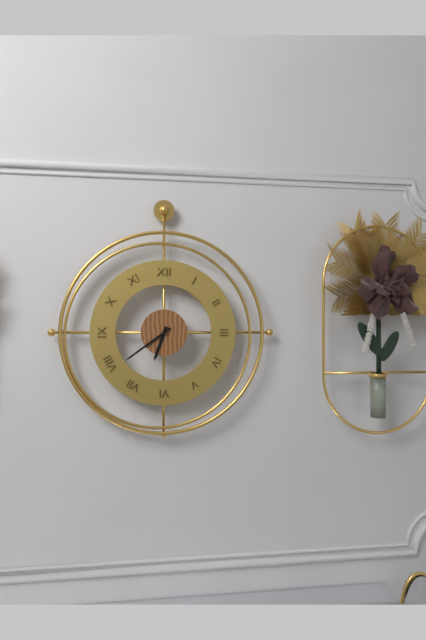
6:39
